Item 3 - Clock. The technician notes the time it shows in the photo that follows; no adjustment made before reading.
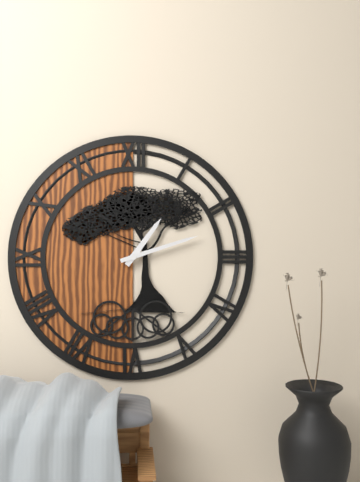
1:12
